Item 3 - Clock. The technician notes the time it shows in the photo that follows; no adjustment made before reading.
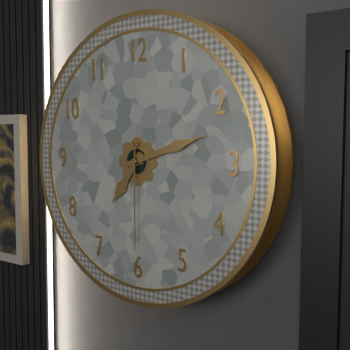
7:12:30
